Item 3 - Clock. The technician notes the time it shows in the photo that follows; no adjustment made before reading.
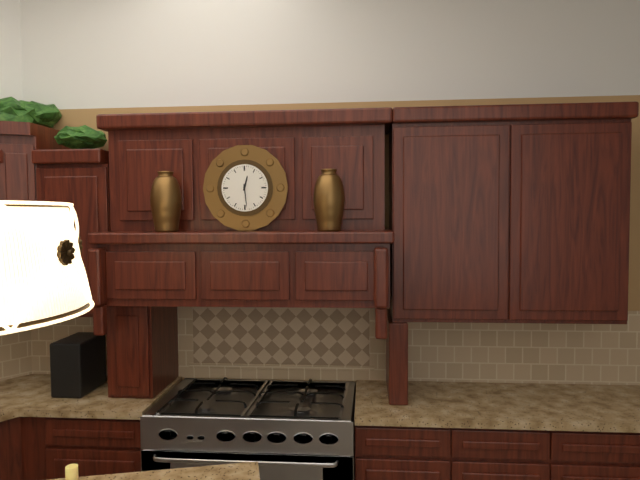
12:29
